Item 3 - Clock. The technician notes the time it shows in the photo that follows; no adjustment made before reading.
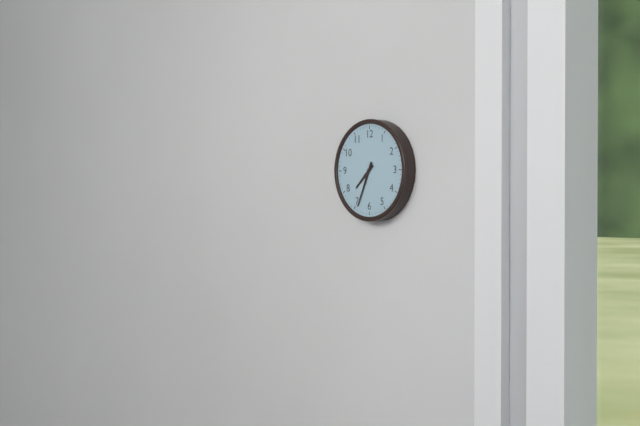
7:34
